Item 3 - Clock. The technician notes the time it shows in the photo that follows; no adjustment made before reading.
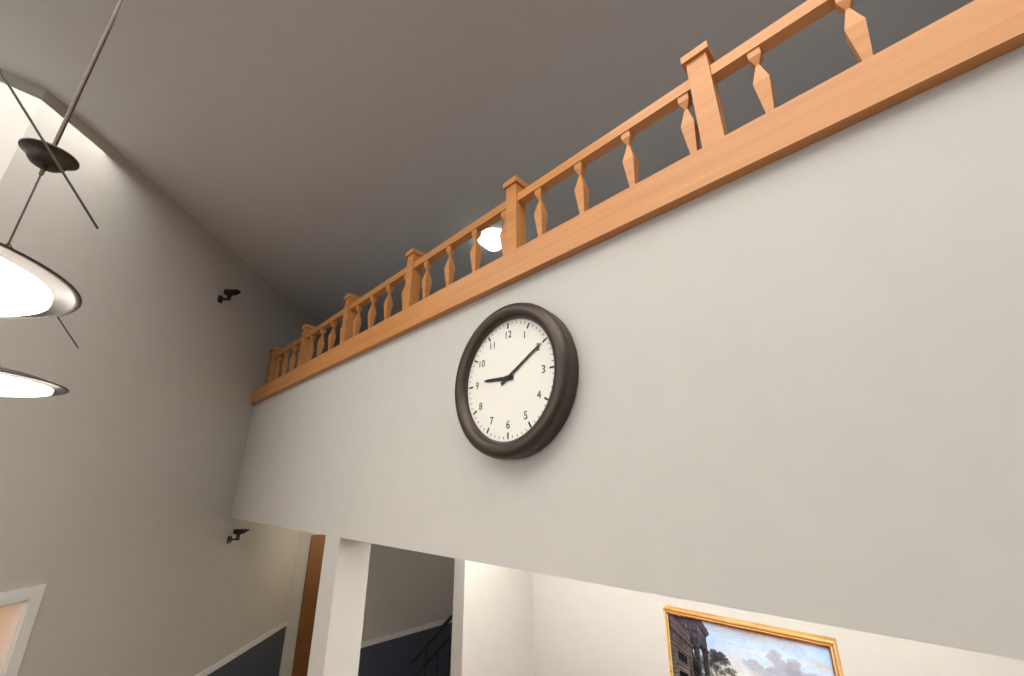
9:10
